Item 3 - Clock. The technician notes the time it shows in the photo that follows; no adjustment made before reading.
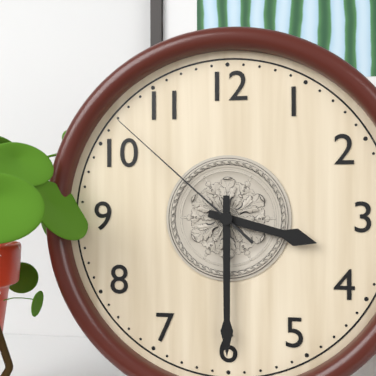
3:30:52
